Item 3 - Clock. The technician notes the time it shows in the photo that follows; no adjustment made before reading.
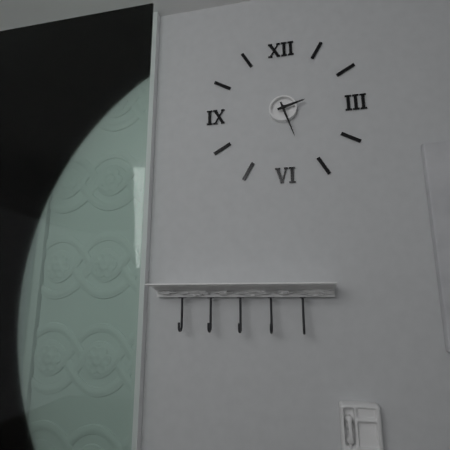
2:27
